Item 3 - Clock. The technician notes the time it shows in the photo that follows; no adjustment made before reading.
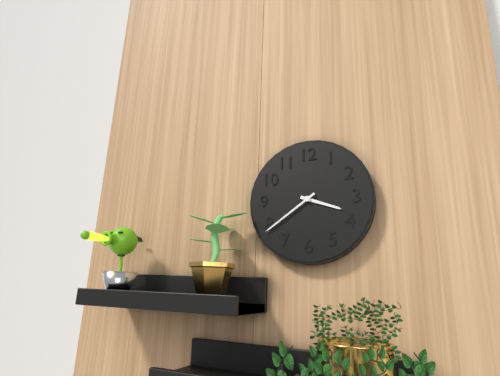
3:39
